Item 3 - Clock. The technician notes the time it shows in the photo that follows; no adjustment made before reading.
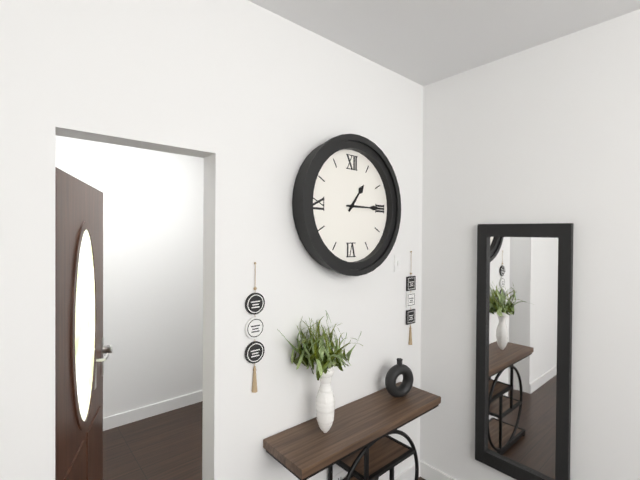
1:15
